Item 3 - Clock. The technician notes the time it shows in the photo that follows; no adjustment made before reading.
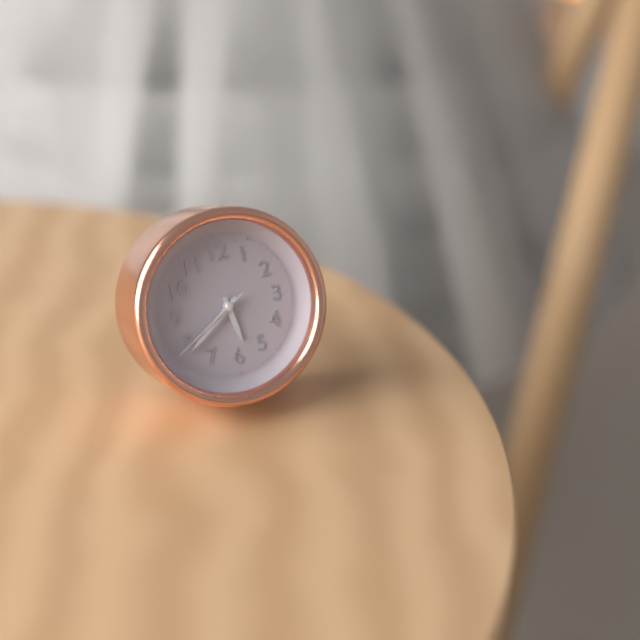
5:39:40
